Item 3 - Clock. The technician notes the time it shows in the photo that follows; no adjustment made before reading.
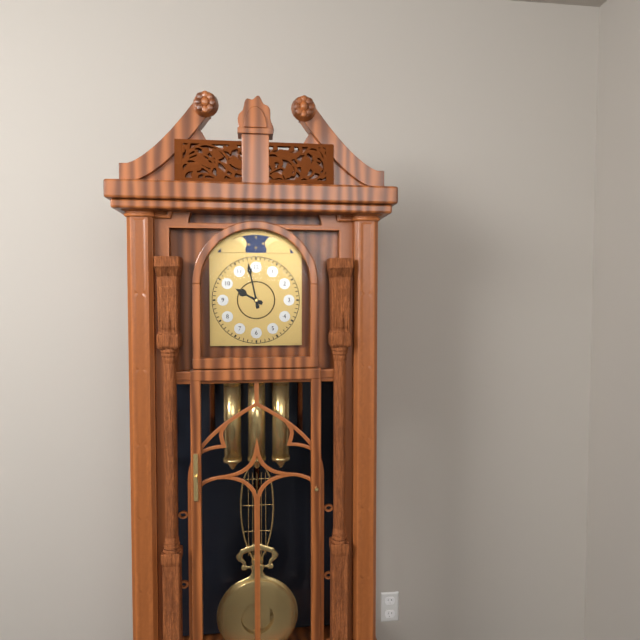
9:58
